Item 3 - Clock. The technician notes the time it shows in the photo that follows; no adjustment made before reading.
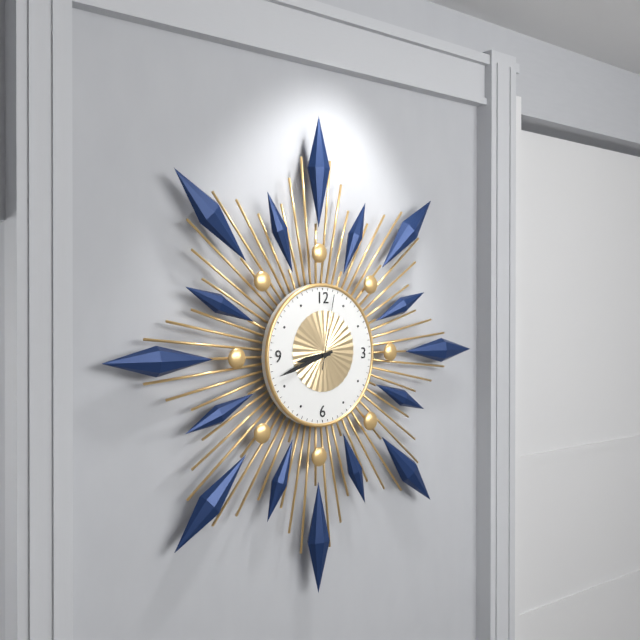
8:42:02
